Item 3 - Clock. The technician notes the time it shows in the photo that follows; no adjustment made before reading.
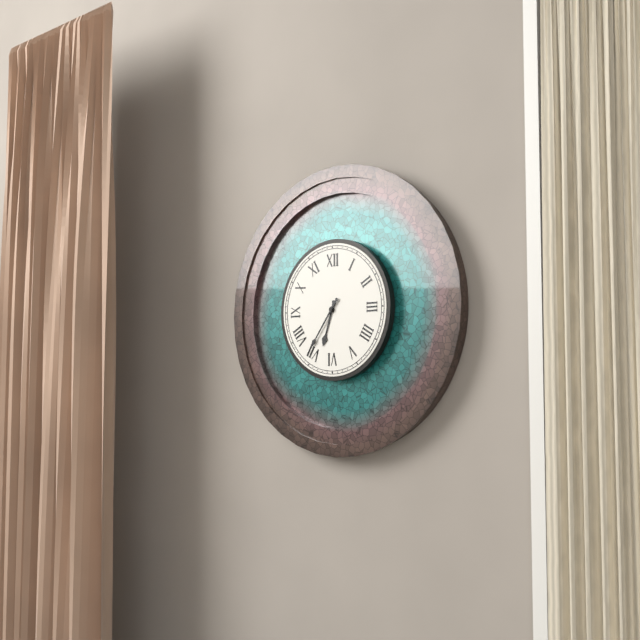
6:36
